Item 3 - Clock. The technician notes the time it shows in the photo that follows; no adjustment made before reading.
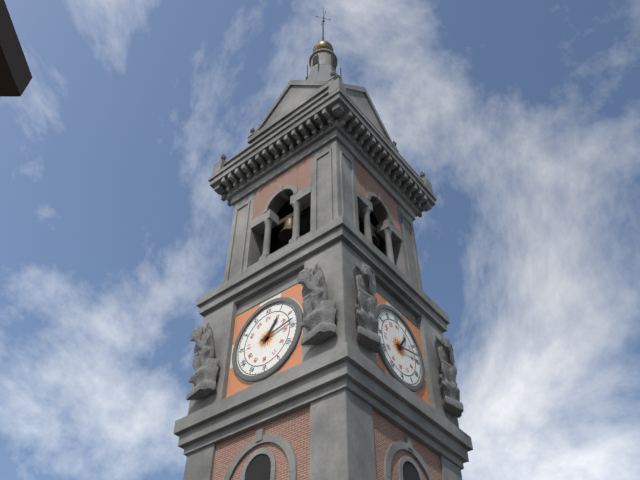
1:13
